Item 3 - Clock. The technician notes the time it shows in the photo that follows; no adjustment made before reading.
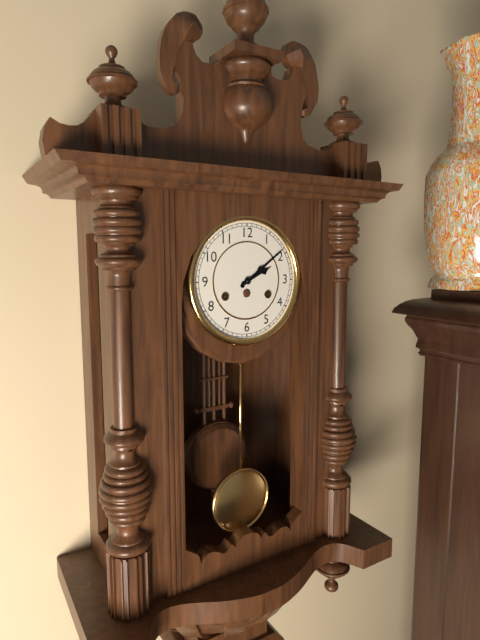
2:09
